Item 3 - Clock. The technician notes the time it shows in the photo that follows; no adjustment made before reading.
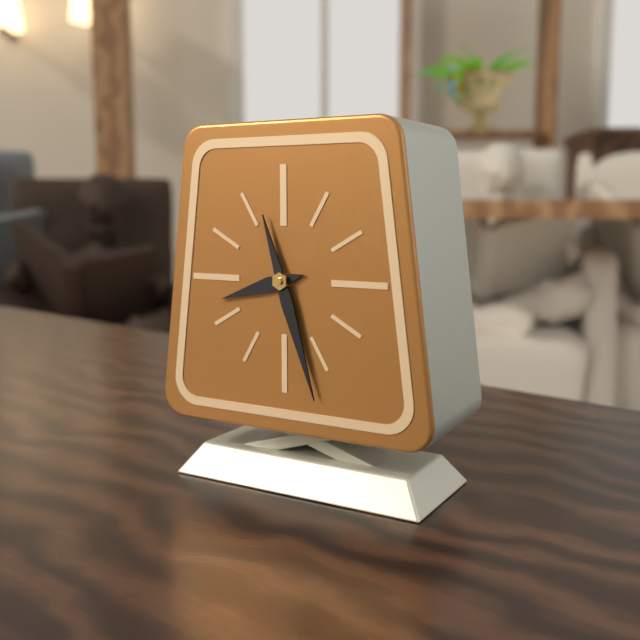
8:27
